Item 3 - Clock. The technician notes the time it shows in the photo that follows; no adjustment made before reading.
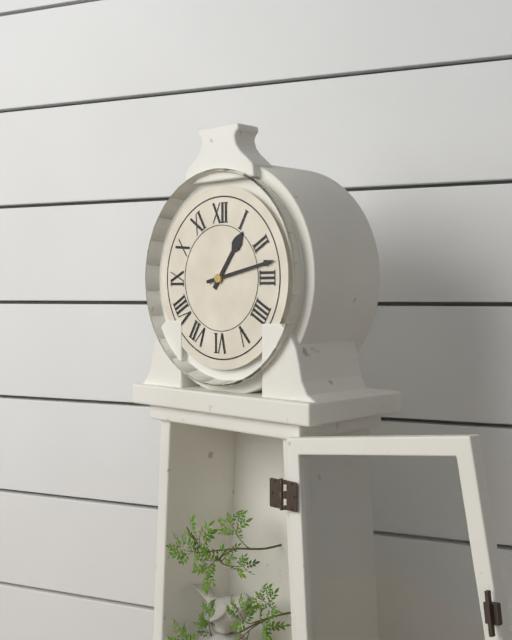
1:13
